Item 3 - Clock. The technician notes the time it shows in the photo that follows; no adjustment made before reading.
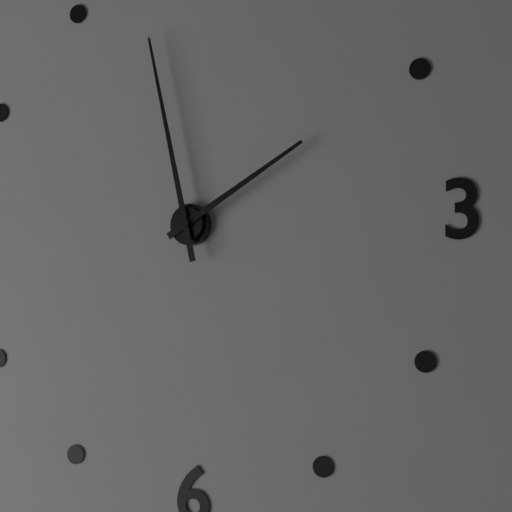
1:58
